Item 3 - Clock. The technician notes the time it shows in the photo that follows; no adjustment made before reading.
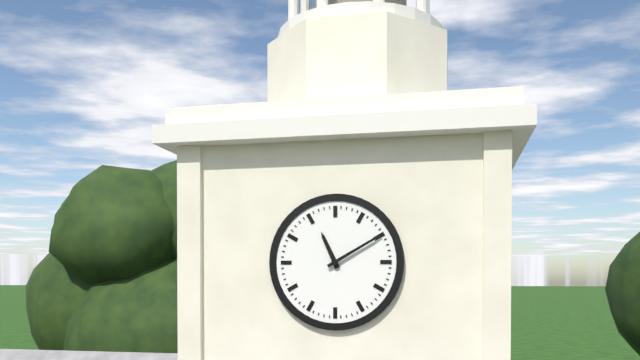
11:10
